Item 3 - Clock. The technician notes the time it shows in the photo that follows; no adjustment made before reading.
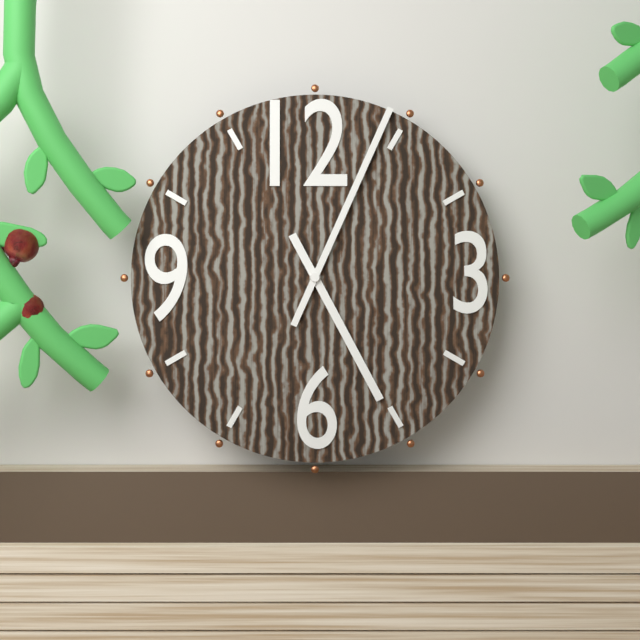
5:04
